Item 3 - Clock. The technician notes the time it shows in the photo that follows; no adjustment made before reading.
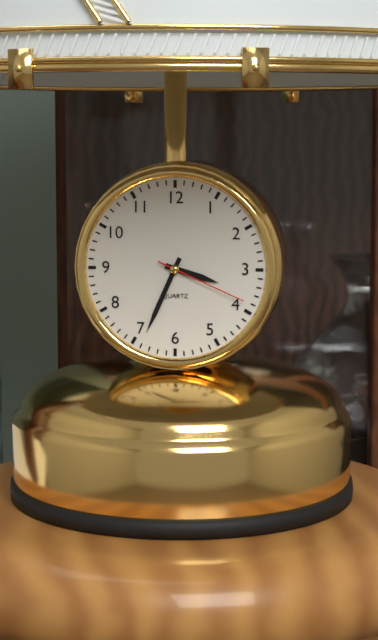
3:34:19
